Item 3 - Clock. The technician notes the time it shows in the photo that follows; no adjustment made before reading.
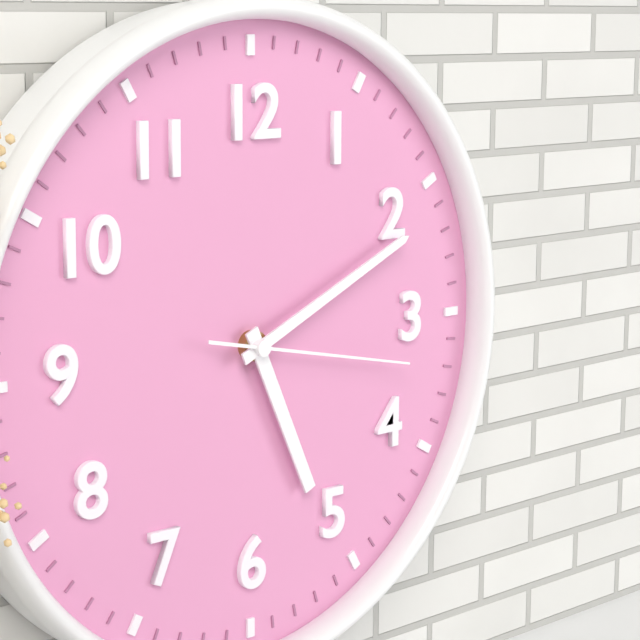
5:11:17
